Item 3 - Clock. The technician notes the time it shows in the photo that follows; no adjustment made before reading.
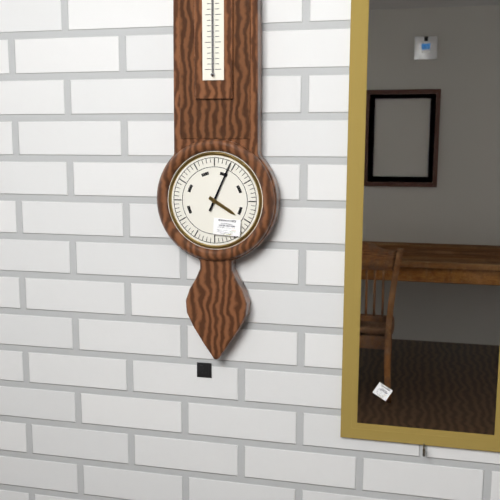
4:04
